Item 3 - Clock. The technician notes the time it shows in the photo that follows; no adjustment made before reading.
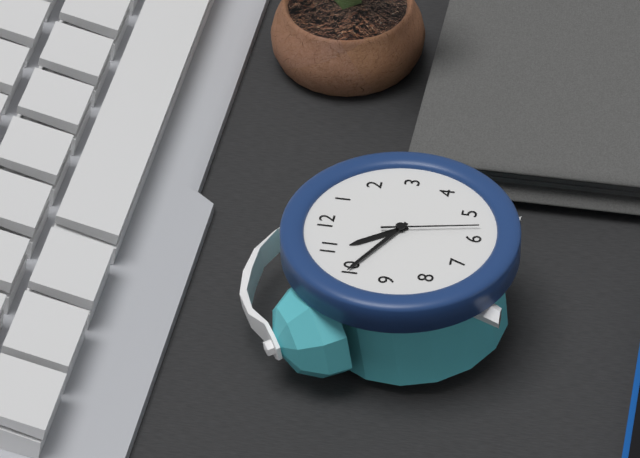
10:50:28
